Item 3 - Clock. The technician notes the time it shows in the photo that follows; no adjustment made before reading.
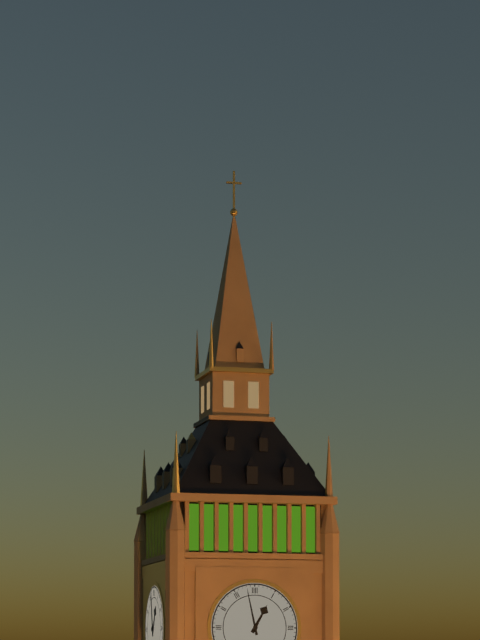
12:58
